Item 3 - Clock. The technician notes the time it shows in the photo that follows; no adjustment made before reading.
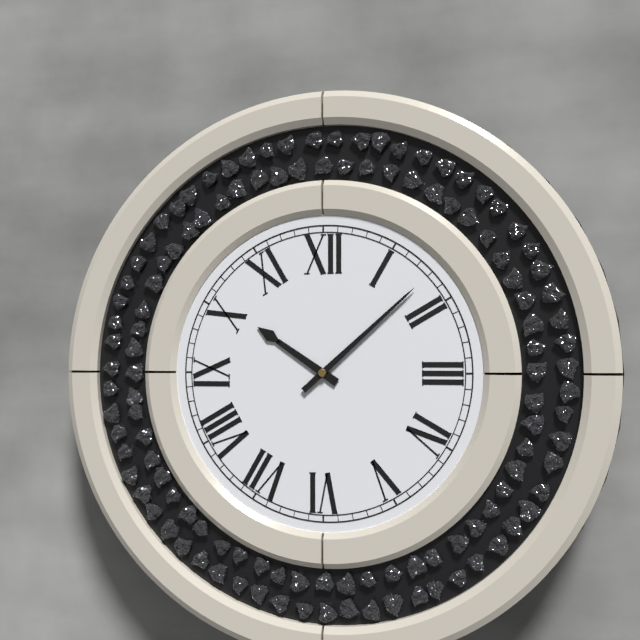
10:08
